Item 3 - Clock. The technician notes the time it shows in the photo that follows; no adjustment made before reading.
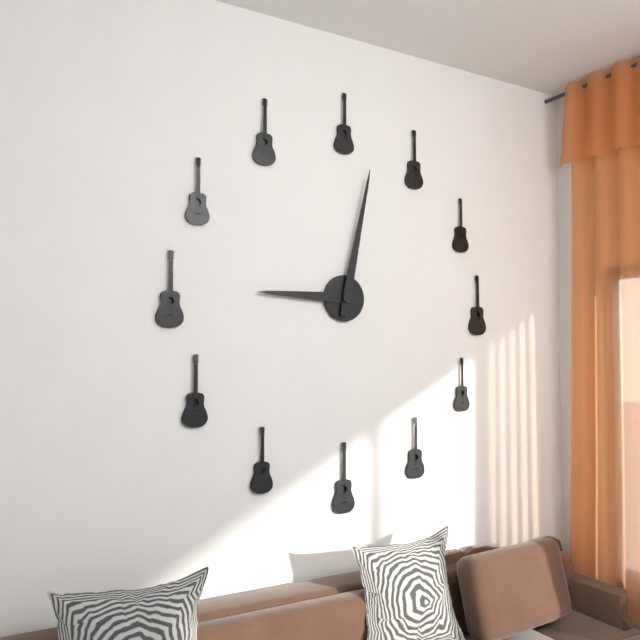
9:02
